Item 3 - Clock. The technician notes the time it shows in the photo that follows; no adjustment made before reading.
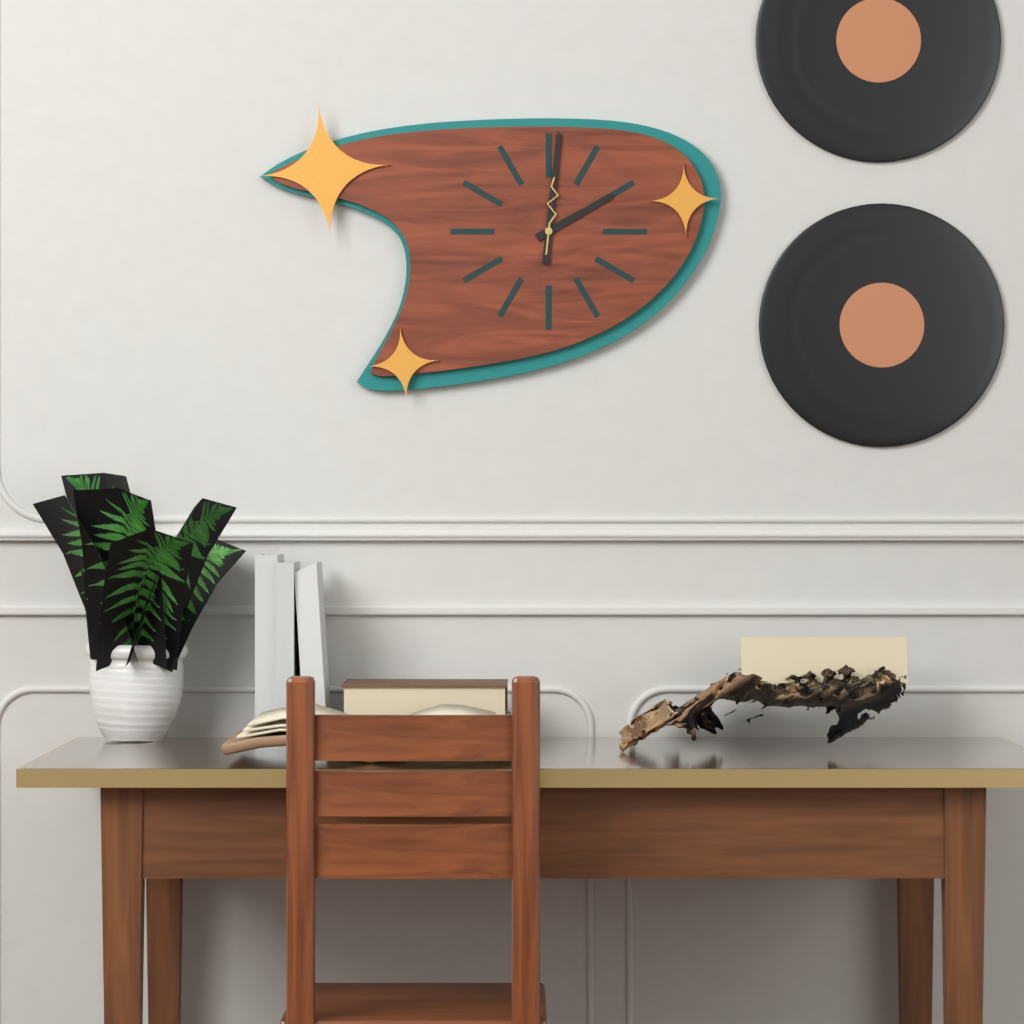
2:01:01
